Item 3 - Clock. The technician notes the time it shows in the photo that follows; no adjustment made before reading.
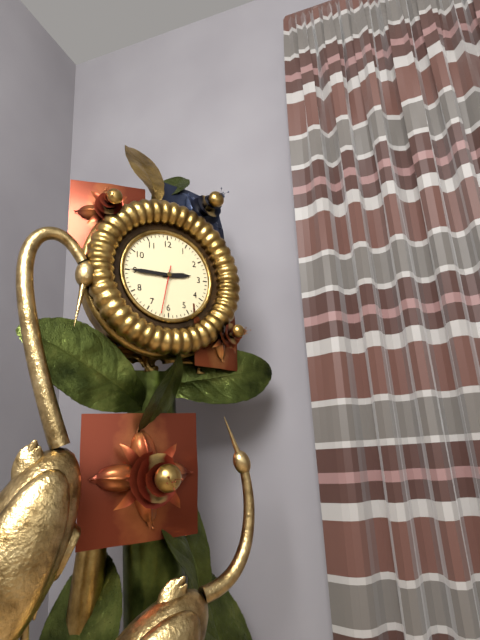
2:45
